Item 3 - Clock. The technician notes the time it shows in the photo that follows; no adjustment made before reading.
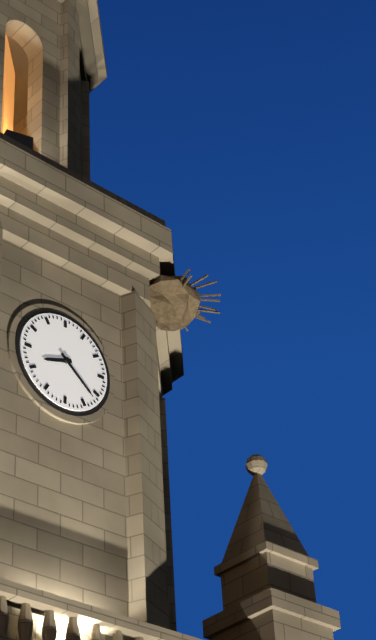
8:22
